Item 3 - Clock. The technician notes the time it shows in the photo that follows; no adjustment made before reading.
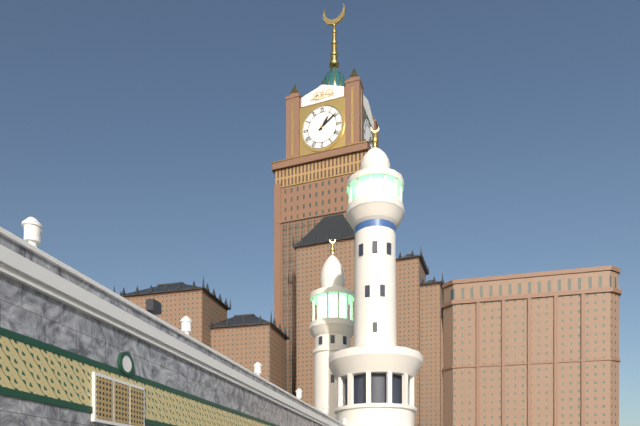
1:09
